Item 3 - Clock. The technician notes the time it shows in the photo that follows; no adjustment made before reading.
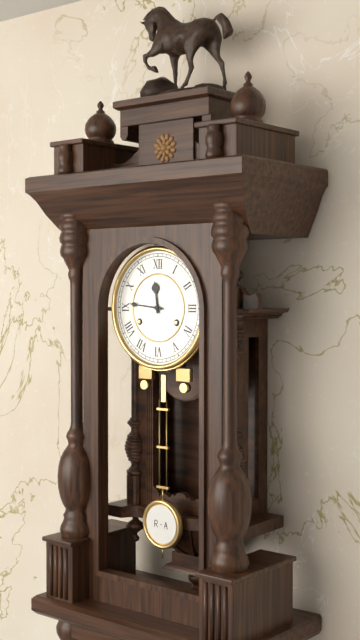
11:46
